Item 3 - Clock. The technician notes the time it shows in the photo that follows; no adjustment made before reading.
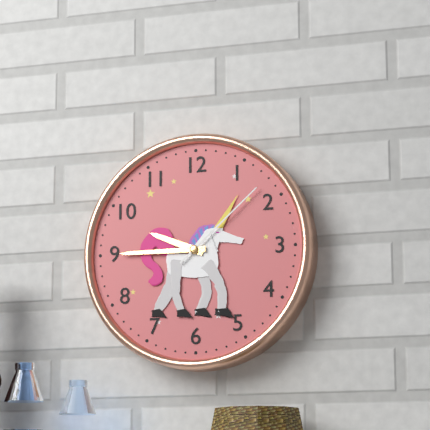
9:45:08
